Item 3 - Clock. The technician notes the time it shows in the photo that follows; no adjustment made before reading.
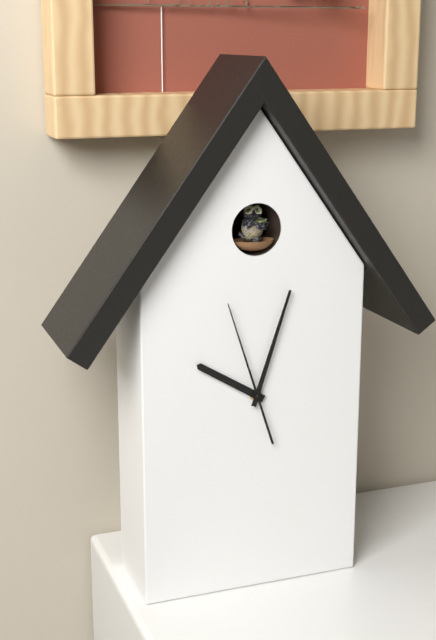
10:03:57
